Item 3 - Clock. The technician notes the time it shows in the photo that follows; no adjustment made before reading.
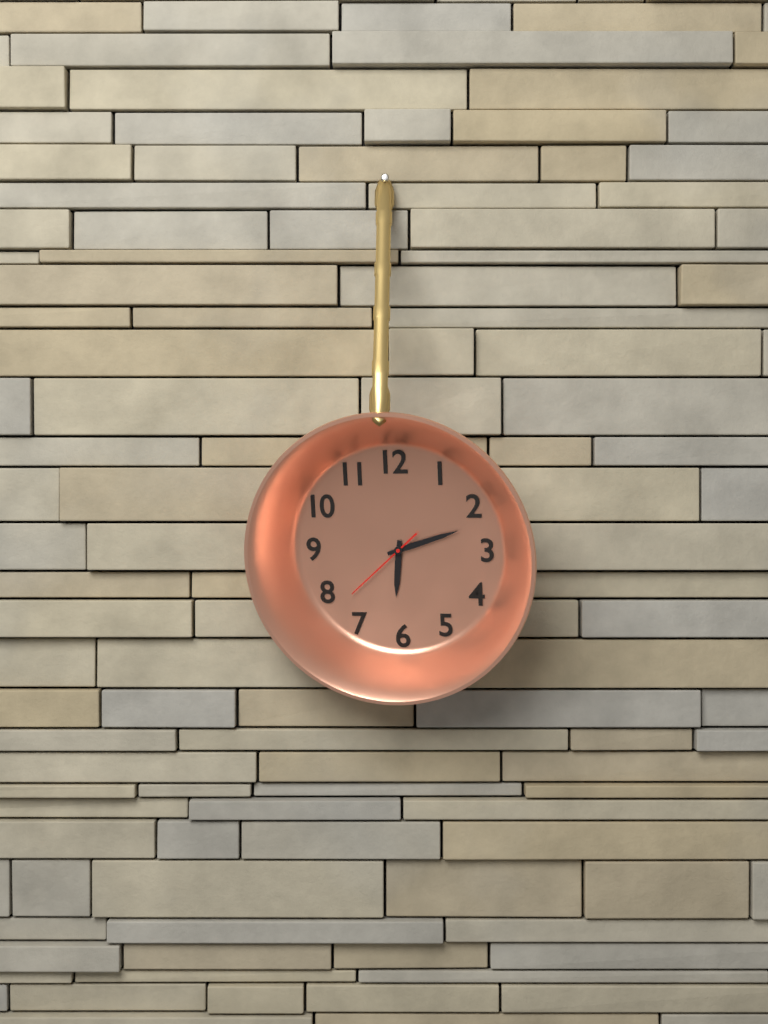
6:12:38
